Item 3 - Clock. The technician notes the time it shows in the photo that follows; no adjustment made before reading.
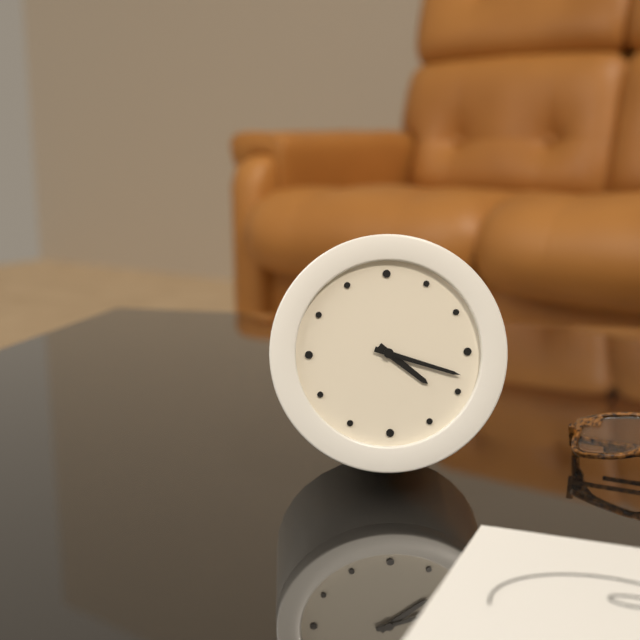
4:18
